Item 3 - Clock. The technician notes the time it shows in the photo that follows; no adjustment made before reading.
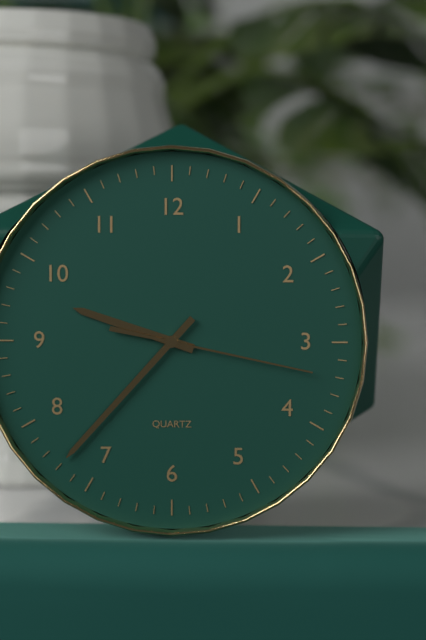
9:37:17
